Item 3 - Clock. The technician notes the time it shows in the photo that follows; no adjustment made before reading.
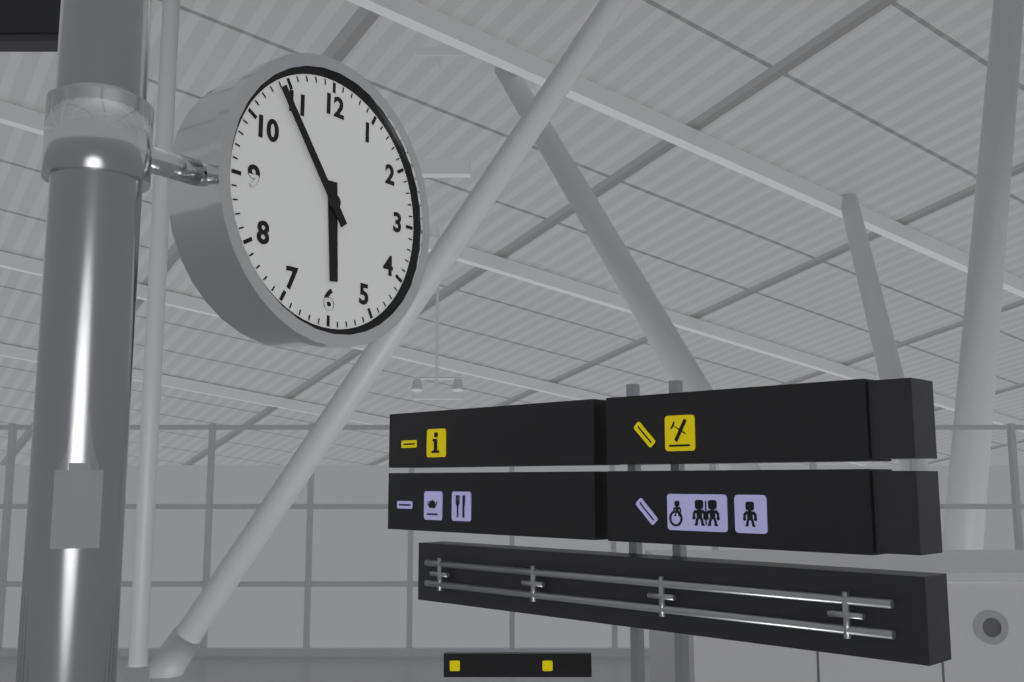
5:54
